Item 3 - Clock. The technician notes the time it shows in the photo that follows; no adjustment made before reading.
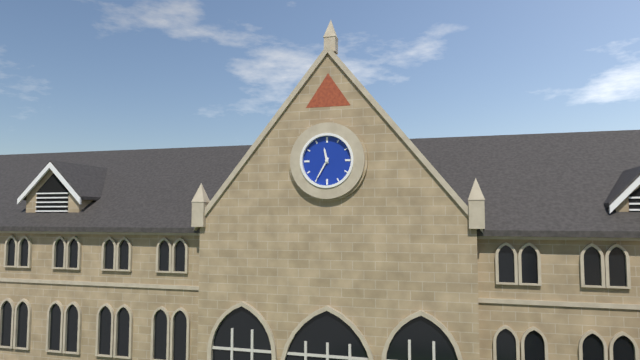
11:35
